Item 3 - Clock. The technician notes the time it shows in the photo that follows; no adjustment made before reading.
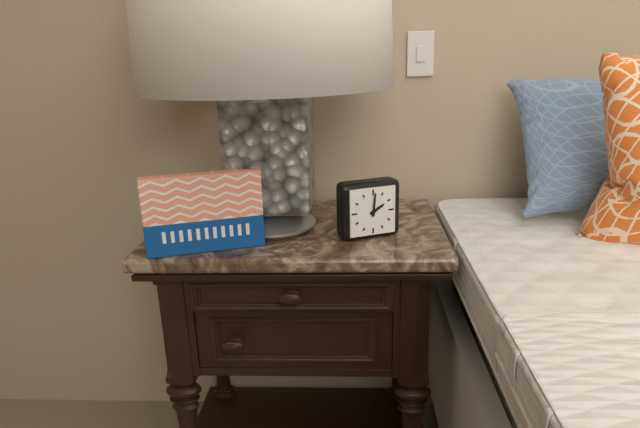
2:01
